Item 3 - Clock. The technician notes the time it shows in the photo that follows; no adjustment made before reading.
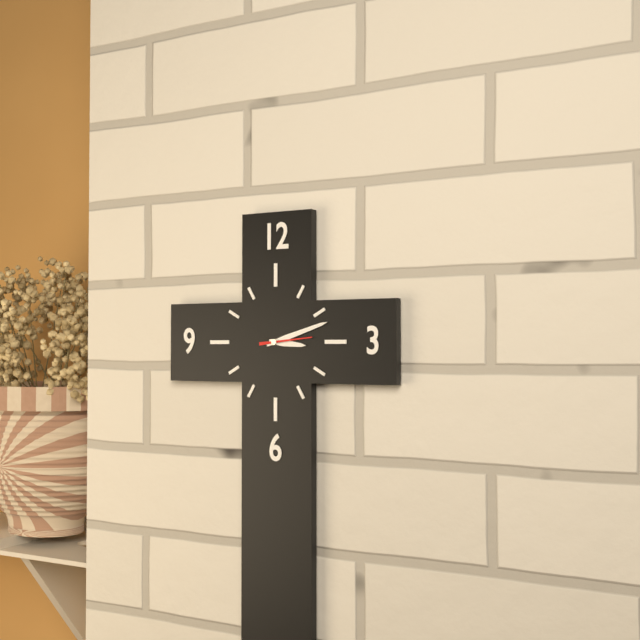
3:12
